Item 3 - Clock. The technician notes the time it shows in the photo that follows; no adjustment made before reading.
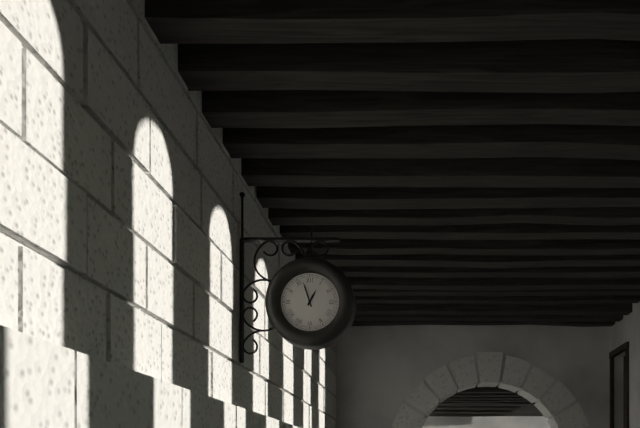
12:57
